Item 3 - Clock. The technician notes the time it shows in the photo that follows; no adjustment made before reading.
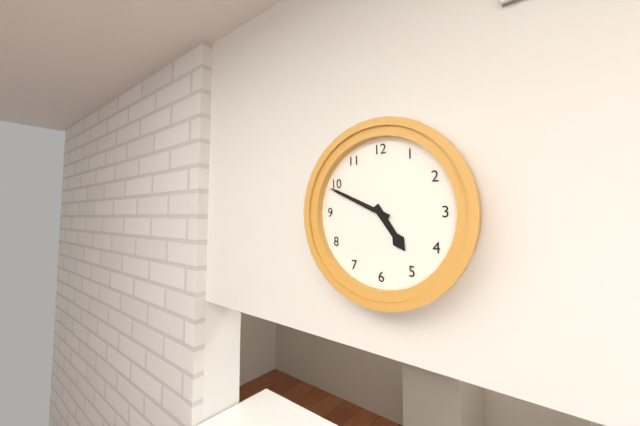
4:49
